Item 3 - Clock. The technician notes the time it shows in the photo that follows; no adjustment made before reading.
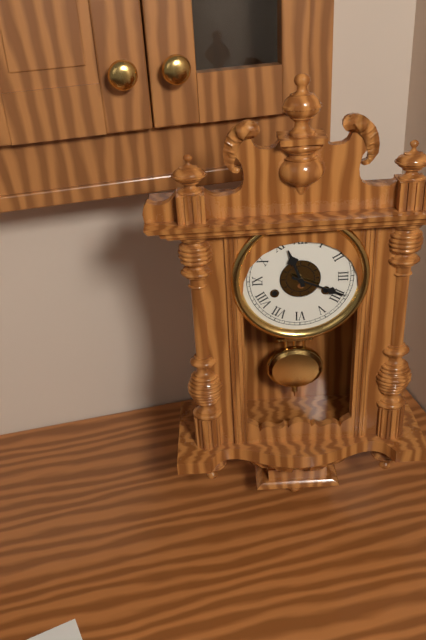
11:19
